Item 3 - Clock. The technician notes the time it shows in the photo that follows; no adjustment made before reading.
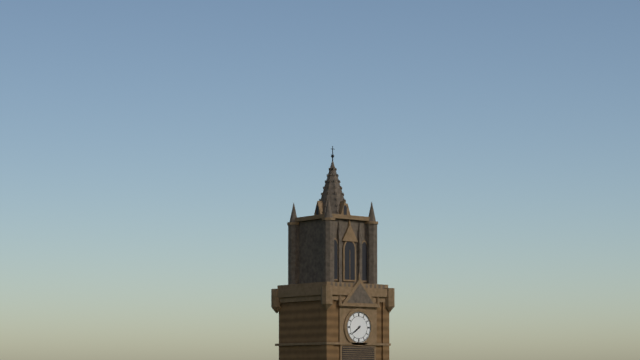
7:39
